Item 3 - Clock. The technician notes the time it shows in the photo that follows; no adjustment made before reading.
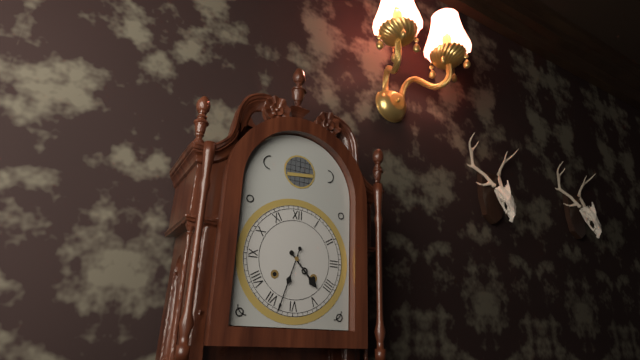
4:33
